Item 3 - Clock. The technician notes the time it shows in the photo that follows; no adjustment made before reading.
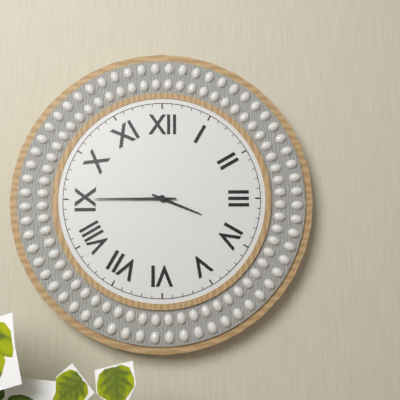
3:45
